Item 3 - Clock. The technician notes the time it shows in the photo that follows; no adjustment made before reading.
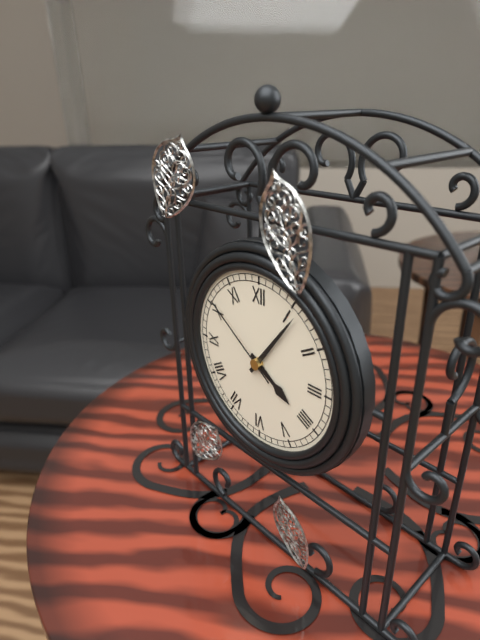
4:06:51
